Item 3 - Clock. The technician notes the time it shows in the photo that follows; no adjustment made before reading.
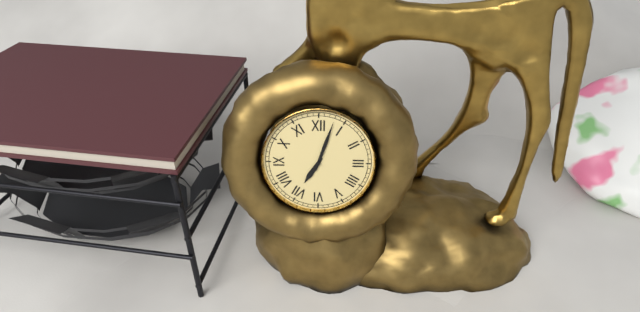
7:03
